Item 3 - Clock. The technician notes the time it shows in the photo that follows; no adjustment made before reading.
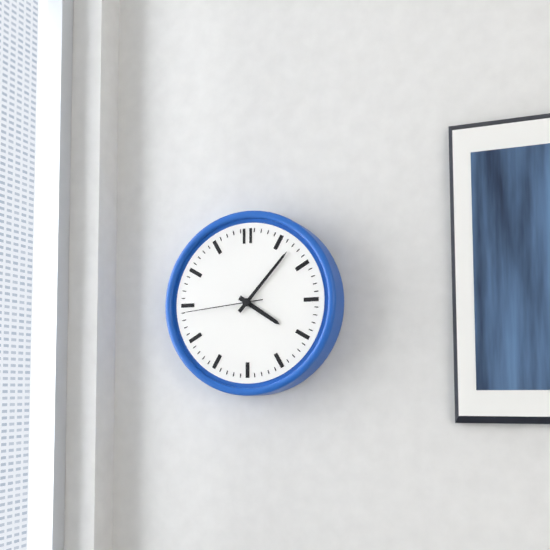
4:07:44
